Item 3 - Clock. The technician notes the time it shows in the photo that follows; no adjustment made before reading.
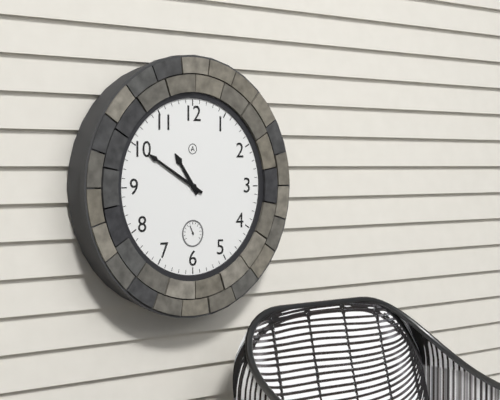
10:50
